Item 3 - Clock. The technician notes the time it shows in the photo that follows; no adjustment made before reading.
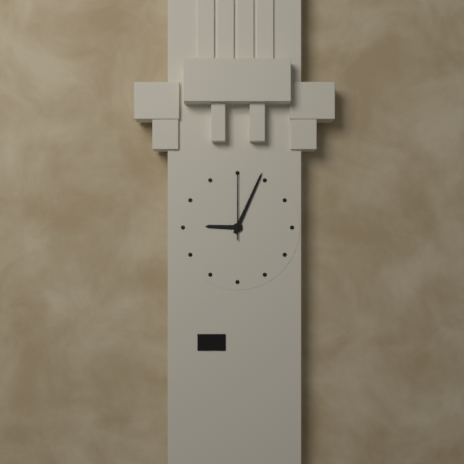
9:04:00
